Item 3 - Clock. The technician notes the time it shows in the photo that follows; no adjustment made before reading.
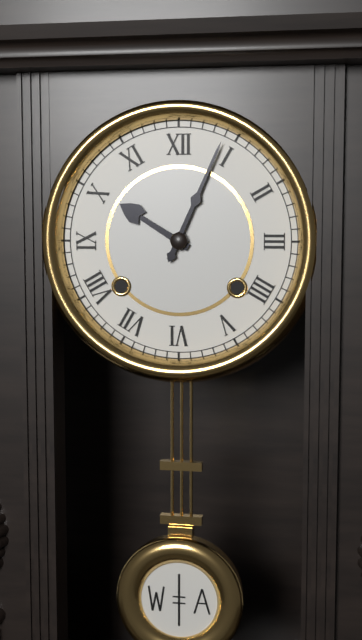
10:04
